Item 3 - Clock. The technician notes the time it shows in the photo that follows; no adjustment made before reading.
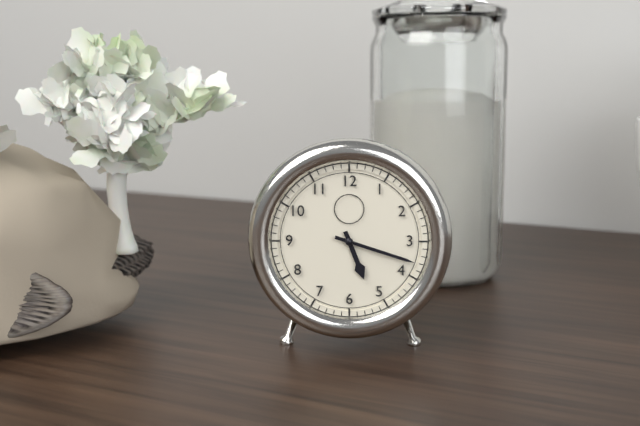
5:18
